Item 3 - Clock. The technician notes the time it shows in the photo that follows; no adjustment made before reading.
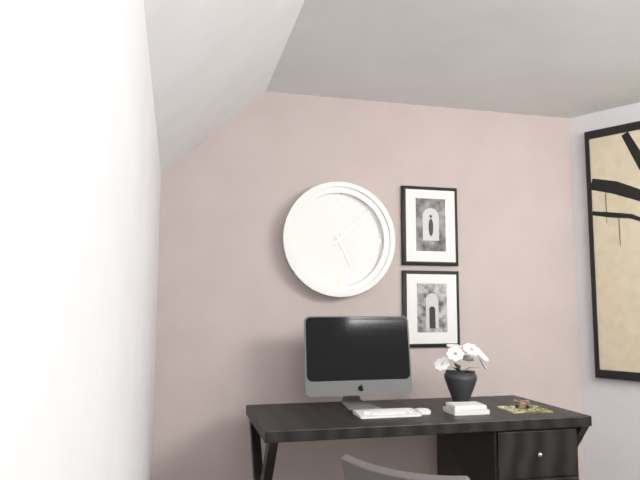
5:08
